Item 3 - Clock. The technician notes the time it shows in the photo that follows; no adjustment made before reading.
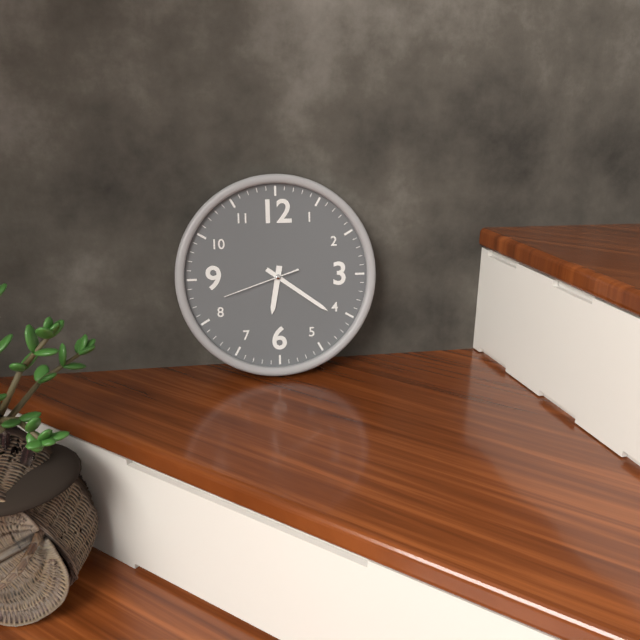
6:21:42
